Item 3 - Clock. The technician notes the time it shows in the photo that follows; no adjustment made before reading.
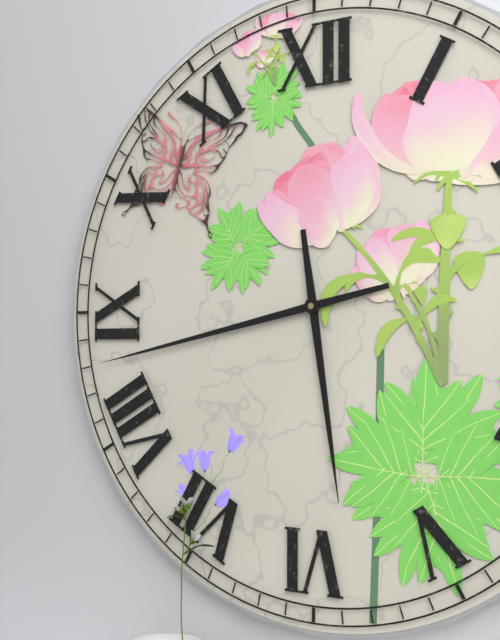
5:43
